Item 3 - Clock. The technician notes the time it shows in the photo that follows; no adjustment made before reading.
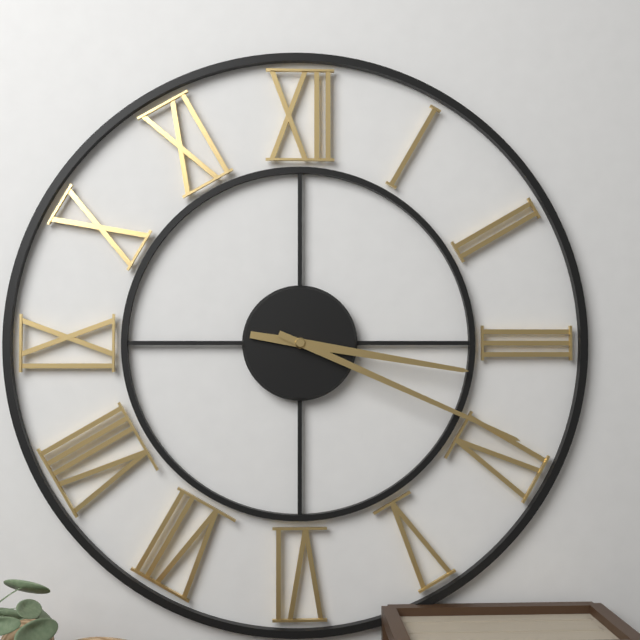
3:19
